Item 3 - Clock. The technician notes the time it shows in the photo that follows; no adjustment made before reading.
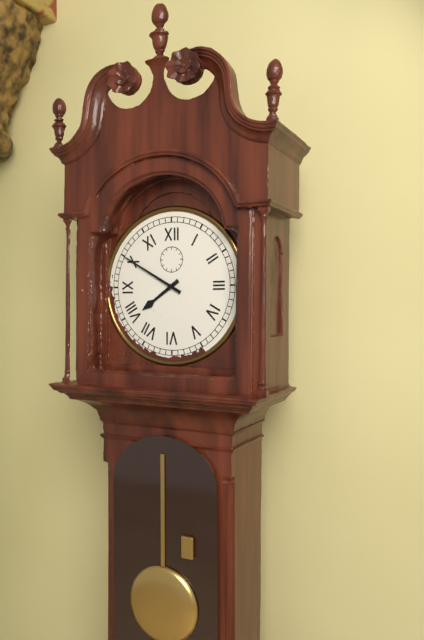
7:50
